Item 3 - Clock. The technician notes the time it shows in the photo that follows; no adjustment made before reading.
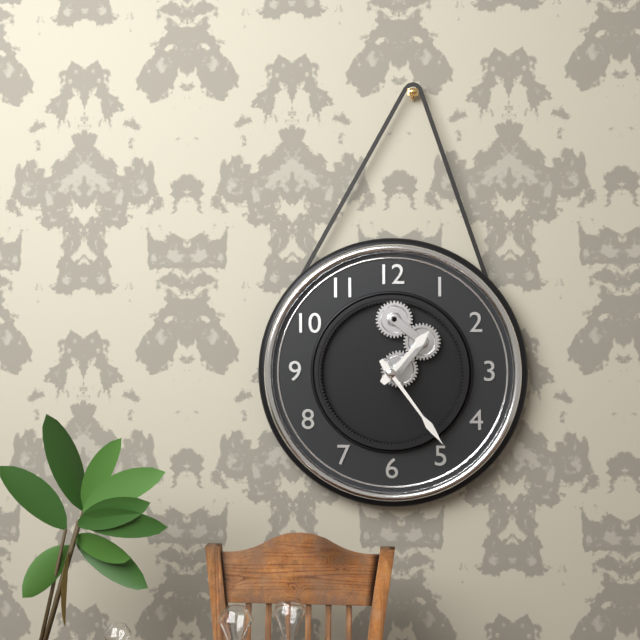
1:24
